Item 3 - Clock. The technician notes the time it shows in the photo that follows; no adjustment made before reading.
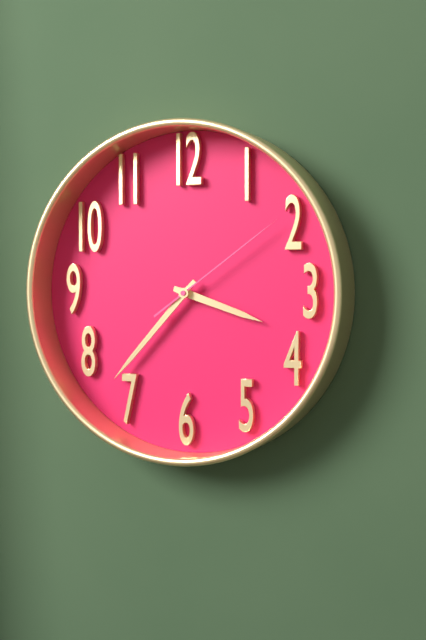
3:37:09
